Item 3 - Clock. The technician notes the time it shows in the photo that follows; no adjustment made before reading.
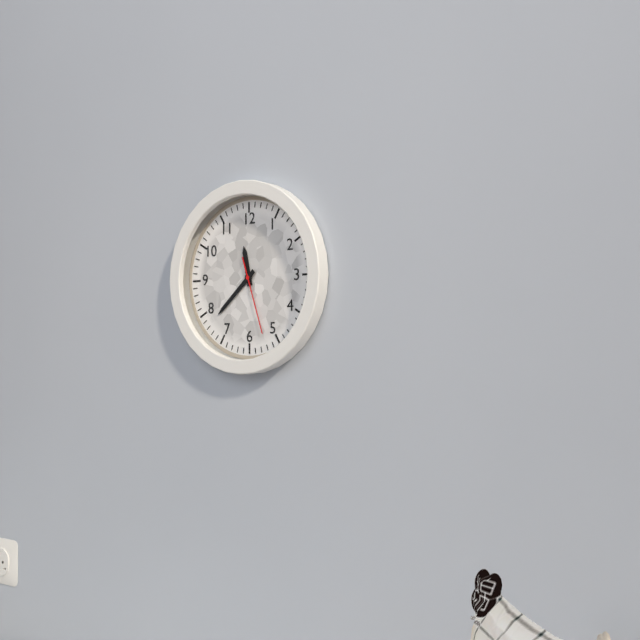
11:38:27
